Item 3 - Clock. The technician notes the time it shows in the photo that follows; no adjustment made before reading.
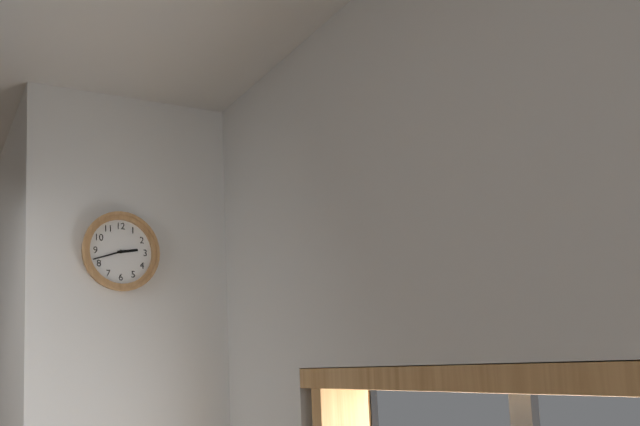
2:42
